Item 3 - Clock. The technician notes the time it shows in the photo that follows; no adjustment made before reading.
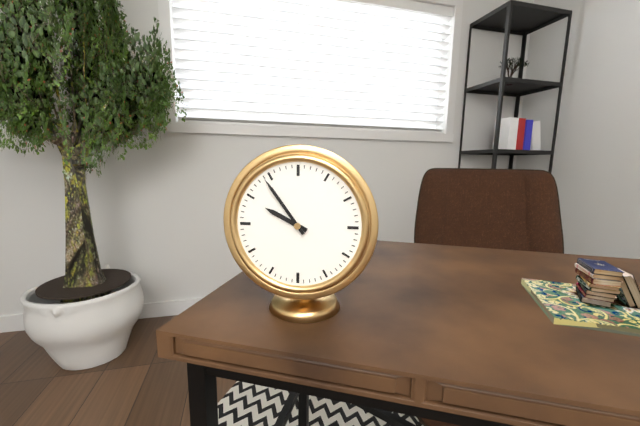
9:54
